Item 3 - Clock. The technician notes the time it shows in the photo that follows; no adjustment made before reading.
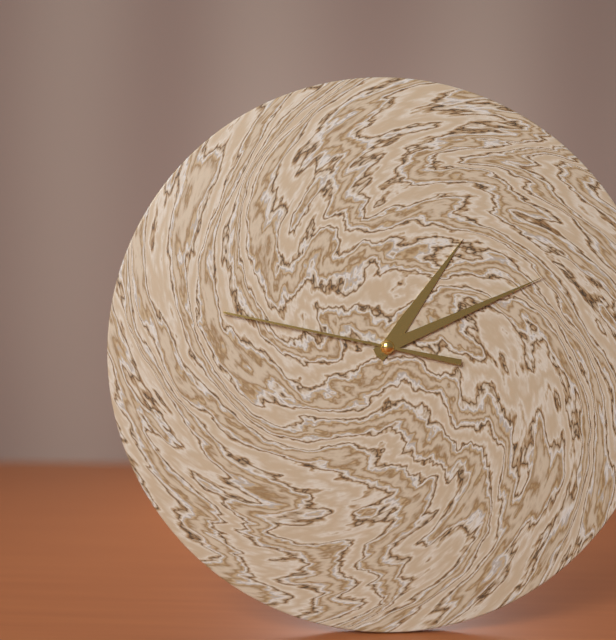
1:11:47
